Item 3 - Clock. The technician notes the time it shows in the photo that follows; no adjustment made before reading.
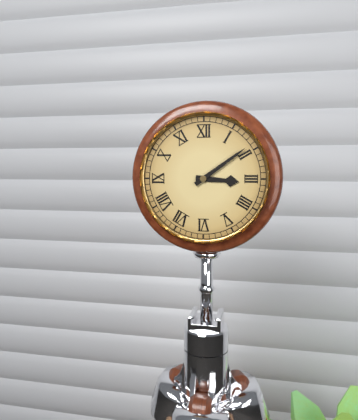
3:09
